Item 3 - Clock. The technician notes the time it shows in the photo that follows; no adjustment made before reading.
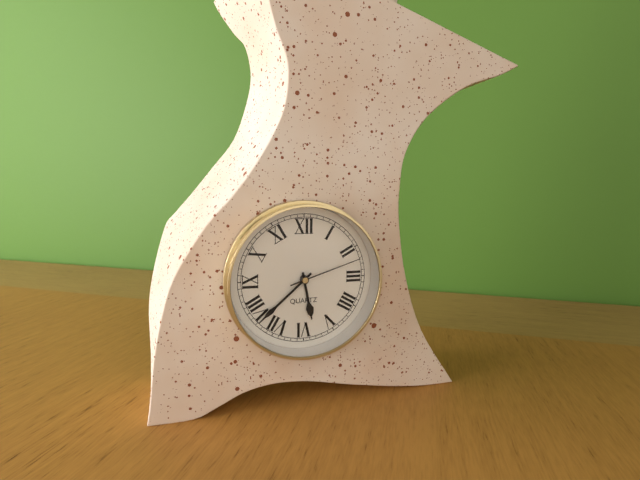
5:38:12
